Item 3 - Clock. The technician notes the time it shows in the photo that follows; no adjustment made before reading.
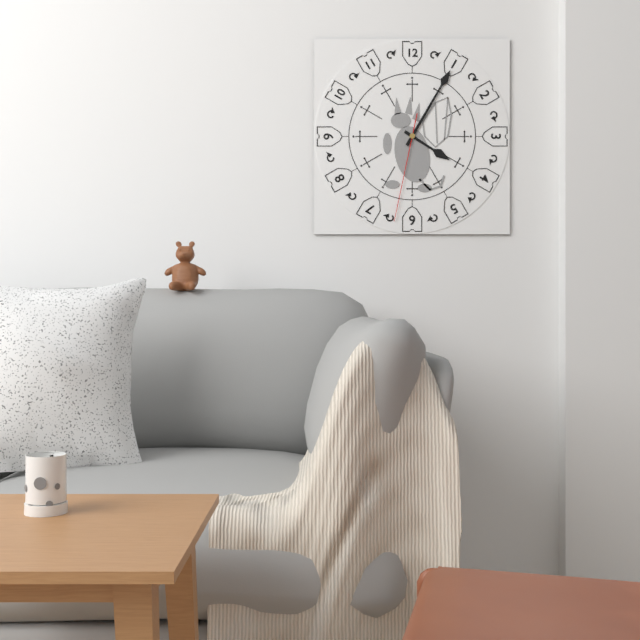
4:05:32
